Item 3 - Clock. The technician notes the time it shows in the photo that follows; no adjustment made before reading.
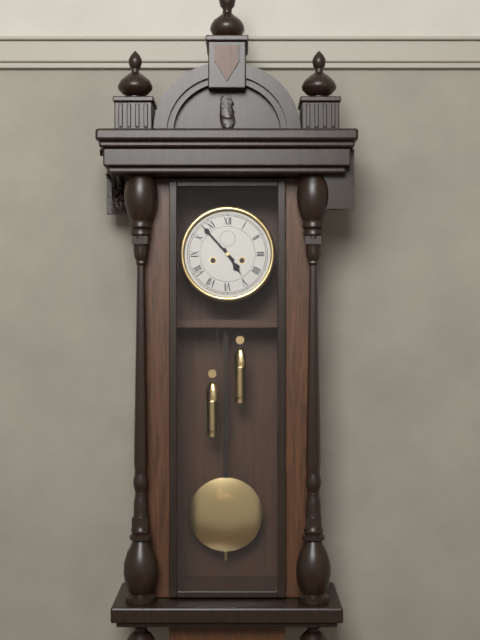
4:53
